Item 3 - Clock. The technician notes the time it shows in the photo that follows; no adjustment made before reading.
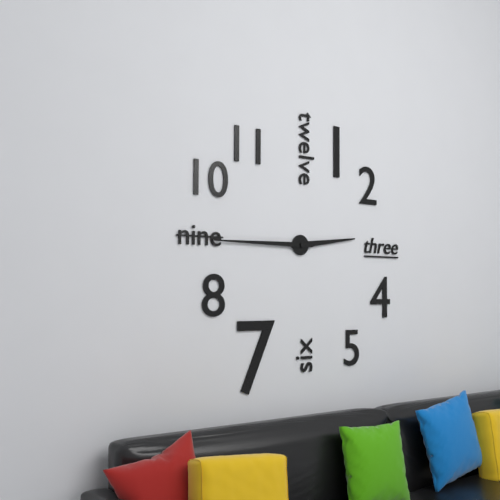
2:45
